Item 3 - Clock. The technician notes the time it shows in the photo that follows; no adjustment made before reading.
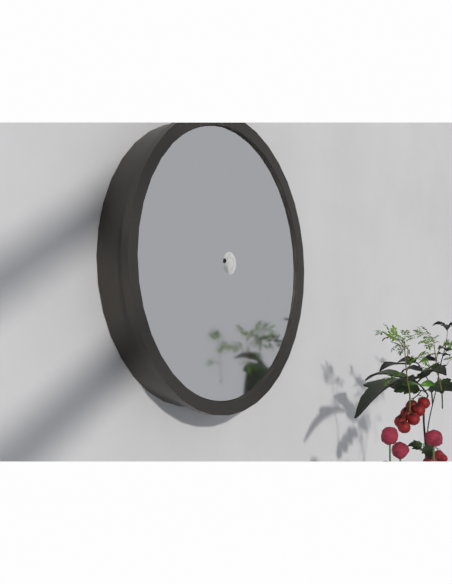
8:26
